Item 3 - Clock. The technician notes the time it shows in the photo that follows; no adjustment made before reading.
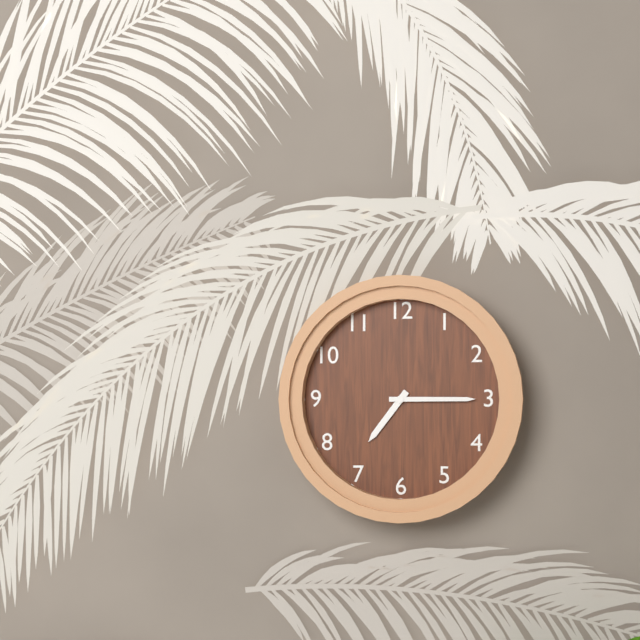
7:15
